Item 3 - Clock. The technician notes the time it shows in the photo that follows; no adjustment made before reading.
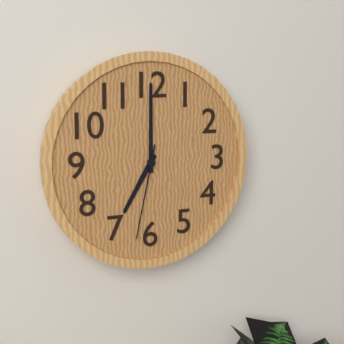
7:00:32
